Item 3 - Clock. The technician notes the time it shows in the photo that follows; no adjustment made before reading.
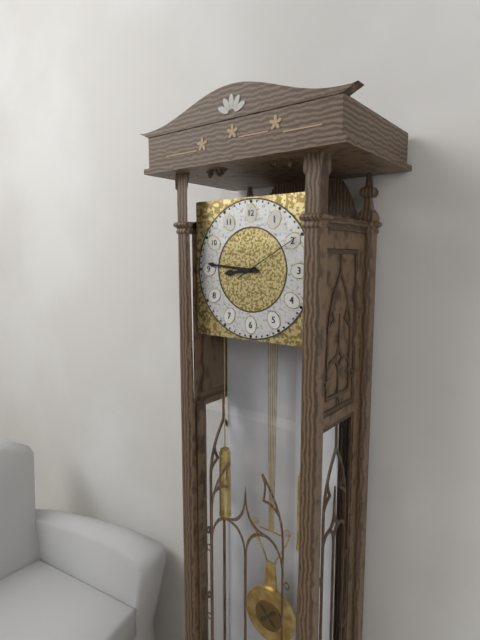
8:46:10
